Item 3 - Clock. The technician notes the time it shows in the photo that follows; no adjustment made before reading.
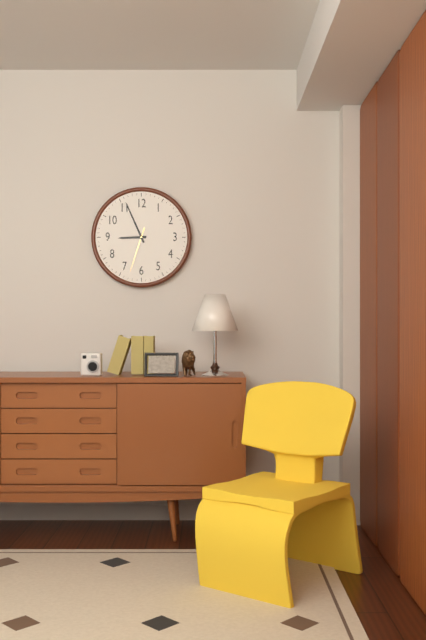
8:56
